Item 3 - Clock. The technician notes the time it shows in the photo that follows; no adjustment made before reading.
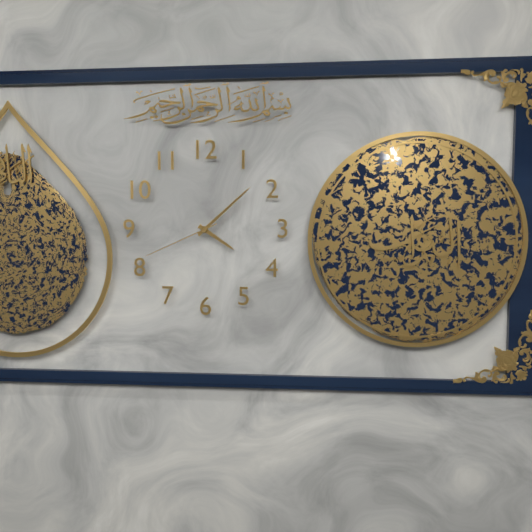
4:08:41
